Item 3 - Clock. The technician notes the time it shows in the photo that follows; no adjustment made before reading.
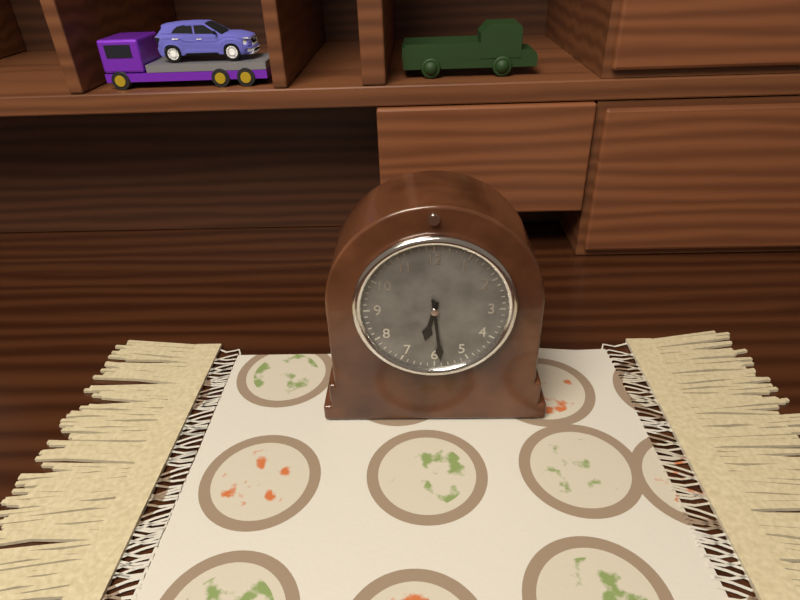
6:29
